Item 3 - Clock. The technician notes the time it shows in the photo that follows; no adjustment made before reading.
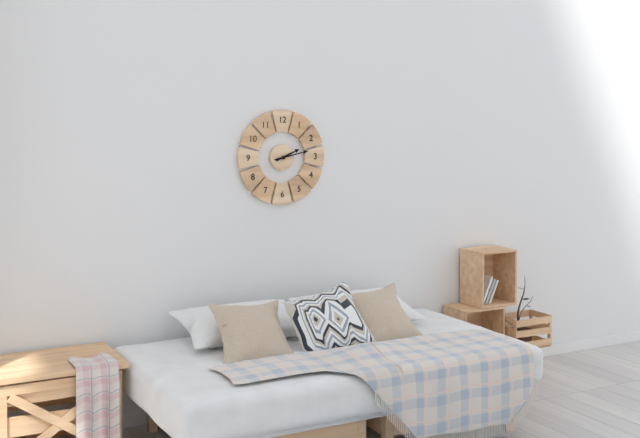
2:13
